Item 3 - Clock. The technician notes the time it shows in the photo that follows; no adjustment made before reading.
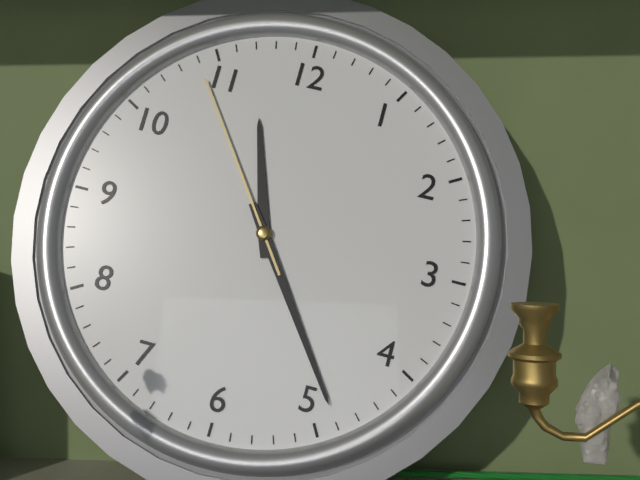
11:24:54
